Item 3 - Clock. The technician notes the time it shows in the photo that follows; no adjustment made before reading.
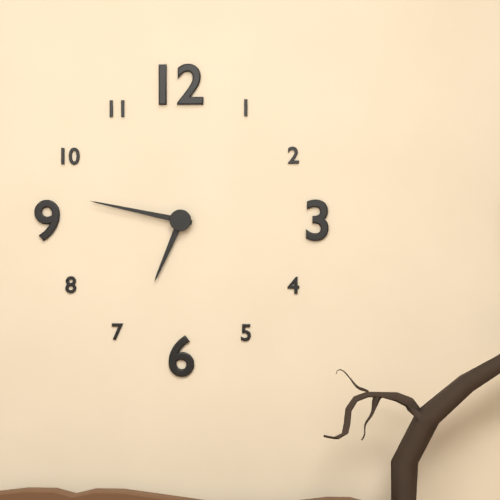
6:47
